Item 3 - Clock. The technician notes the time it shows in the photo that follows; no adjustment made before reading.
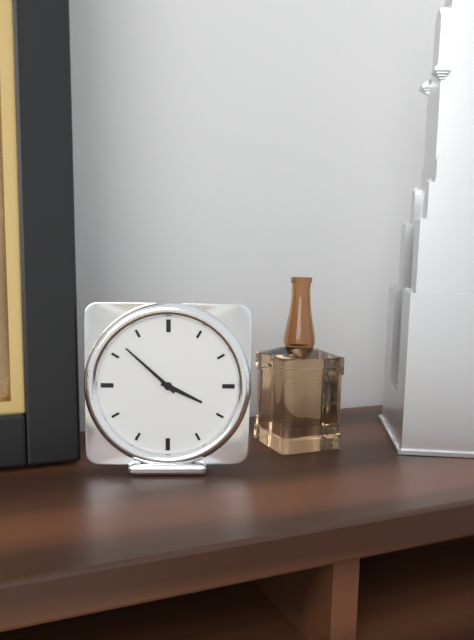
3:52
